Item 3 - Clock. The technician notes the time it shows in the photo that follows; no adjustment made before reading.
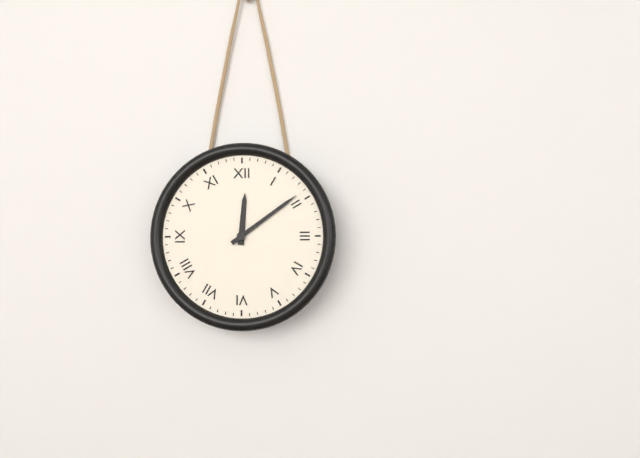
12:09
